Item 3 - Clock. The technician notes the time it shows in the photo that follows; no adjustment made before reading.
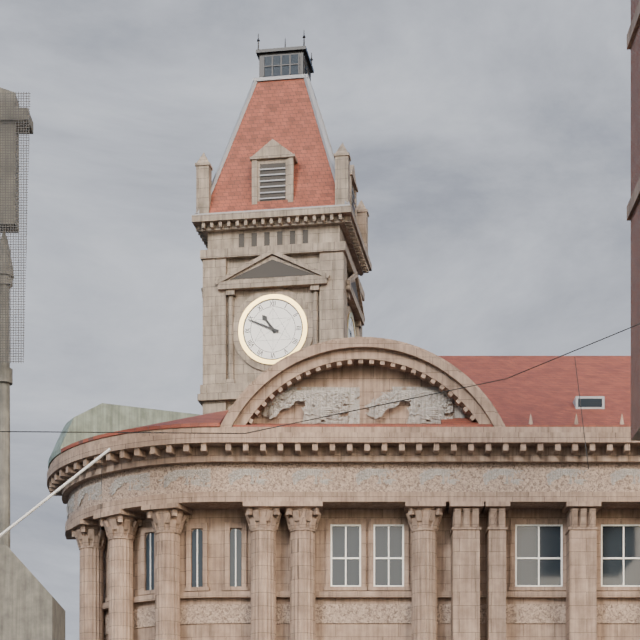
10:49
